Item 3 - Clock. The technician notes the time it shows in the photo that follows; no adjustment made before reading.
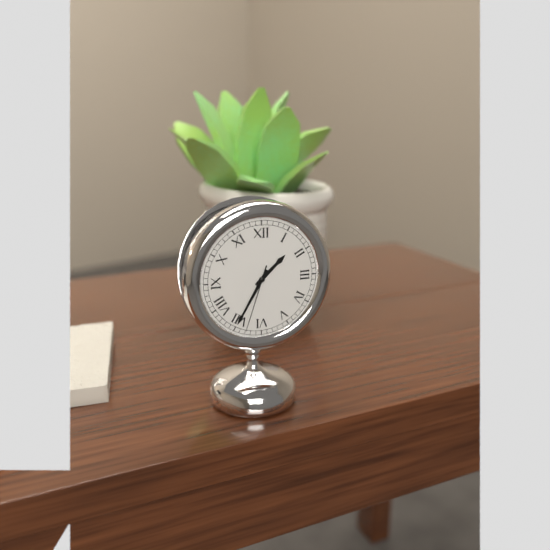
1:35:33
